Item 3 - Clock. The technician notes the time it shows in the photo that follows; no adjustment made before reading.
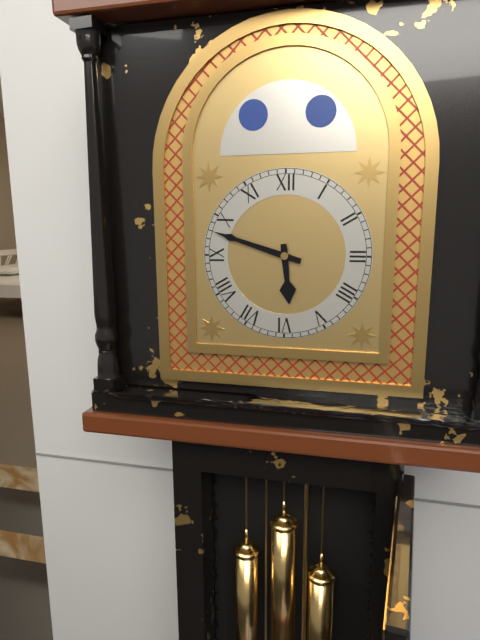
5:48
